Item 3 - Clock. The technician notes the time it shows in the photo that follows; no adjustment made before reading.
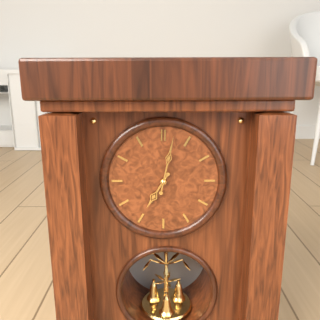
7:02
